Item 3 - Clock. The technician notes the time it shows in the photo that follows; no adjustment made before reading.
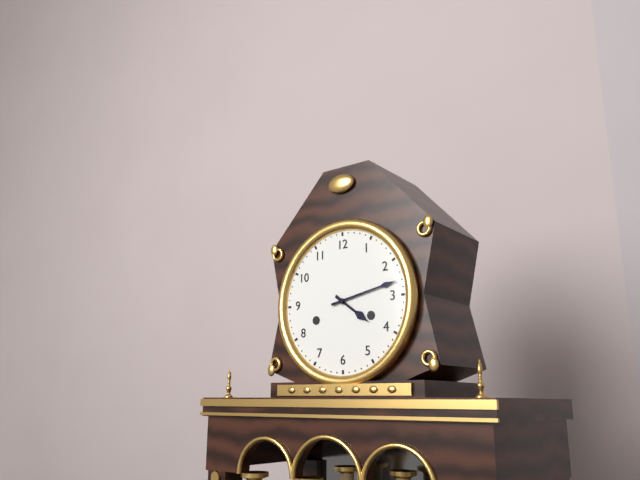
4:13
